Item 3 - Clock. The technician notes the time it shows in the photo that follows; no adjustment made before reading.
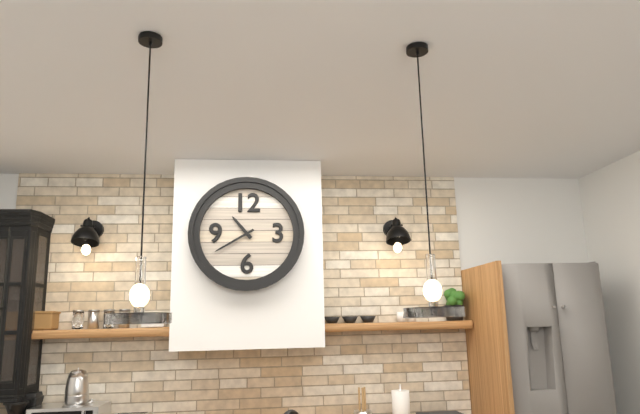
10:40
